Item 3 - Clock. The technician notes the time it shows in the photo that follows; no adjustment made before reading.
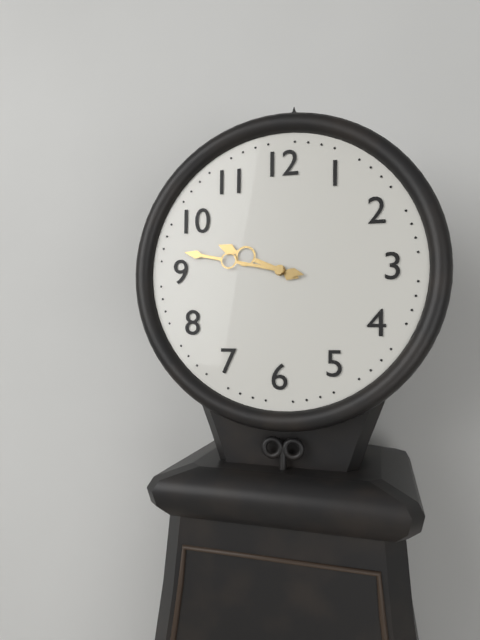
9:47
